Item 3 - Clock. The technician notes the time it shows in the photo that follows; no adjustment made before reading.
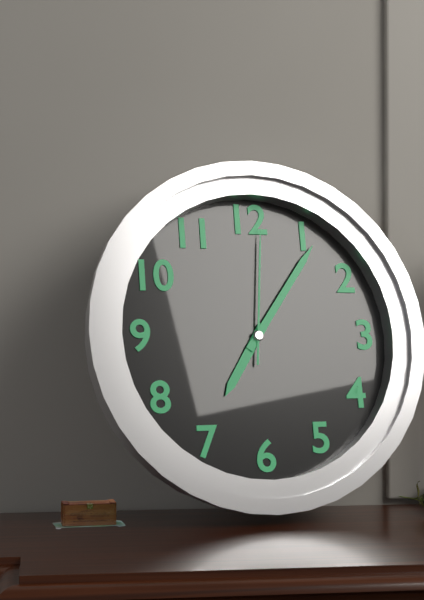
7:06:01
